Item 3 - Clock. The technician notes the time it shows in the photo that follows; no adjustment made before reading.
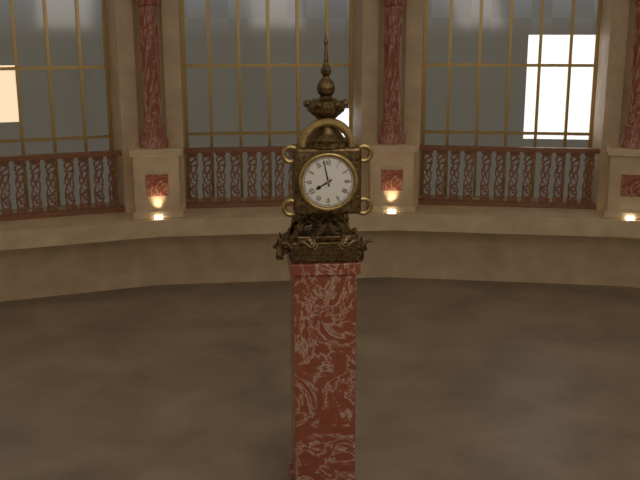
7:58
